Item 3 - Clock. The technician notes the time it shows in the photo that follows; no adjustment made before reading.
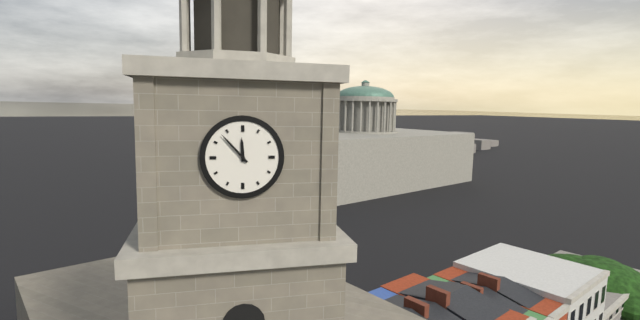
11:53
